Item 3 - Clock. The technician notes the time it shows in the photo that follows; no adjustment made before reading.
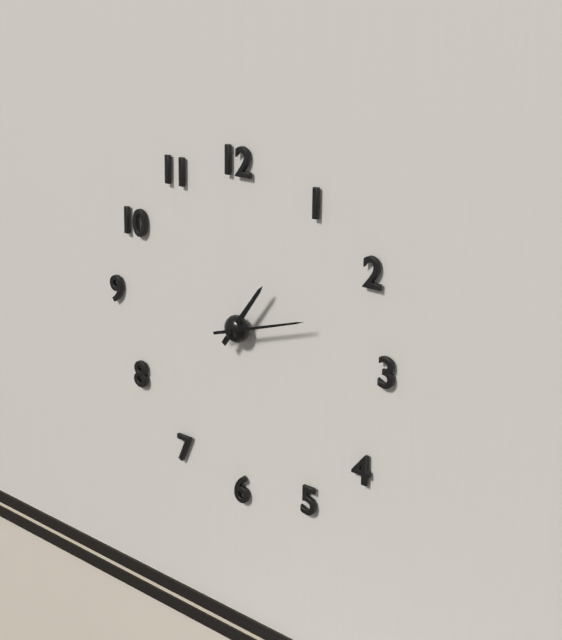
1:12
